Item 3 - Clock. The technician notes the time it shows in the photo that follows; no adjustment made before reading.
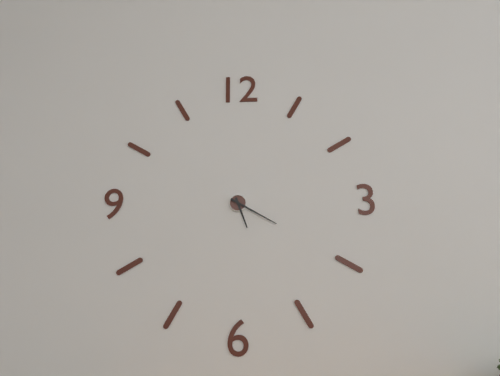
5:20
